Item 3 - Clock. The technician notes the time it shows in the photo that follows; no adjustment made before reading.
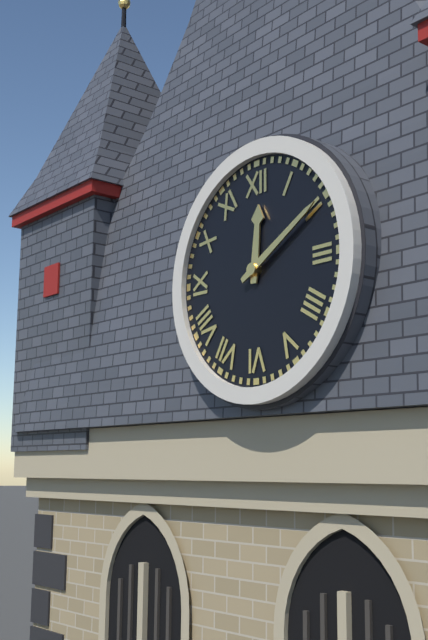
12:10
